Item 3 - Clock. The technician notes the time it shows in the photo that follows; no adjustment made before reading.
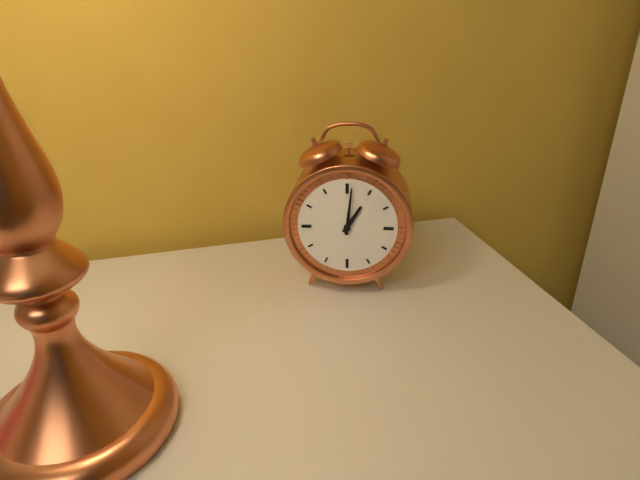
1:01
